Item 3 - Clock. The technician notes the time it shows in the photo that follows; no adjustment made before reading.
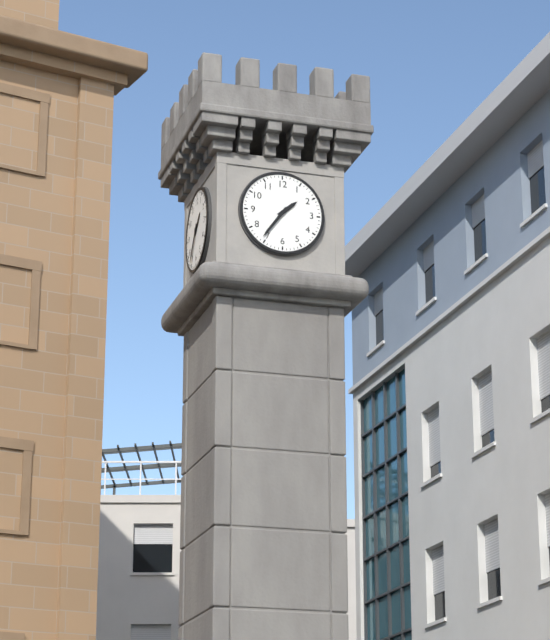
1:36
